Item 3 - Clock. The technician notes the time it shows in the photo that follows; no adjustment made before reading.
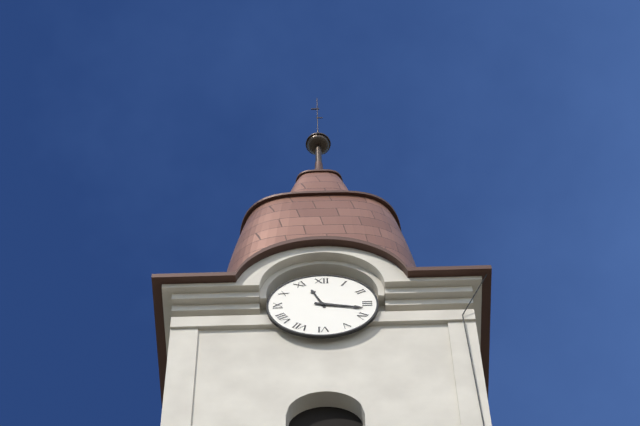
11:17
